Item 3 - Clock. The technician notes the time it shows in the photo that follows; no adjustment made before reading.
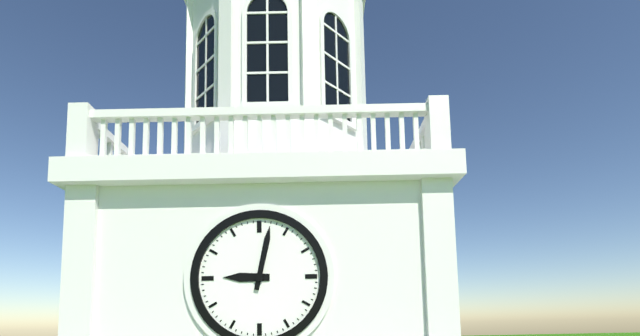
9:02
